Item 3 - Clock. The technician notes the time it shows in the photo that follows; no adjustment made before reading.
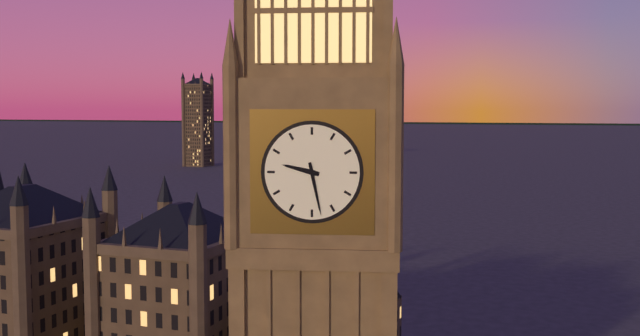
9:28
